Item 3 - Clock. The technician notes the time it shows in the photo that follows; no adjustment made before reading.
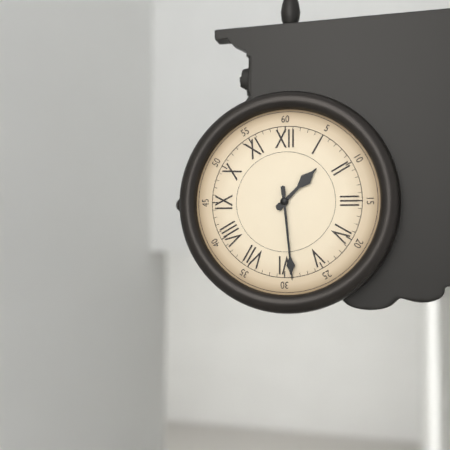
1:29
